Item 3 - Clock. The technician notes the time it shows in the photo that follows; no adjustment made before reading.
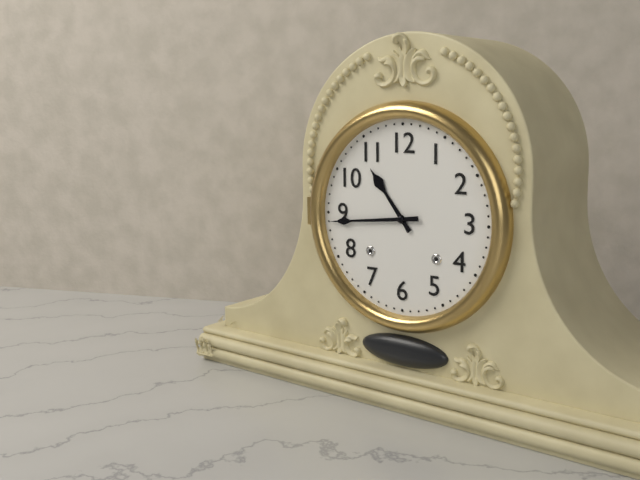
10:44
